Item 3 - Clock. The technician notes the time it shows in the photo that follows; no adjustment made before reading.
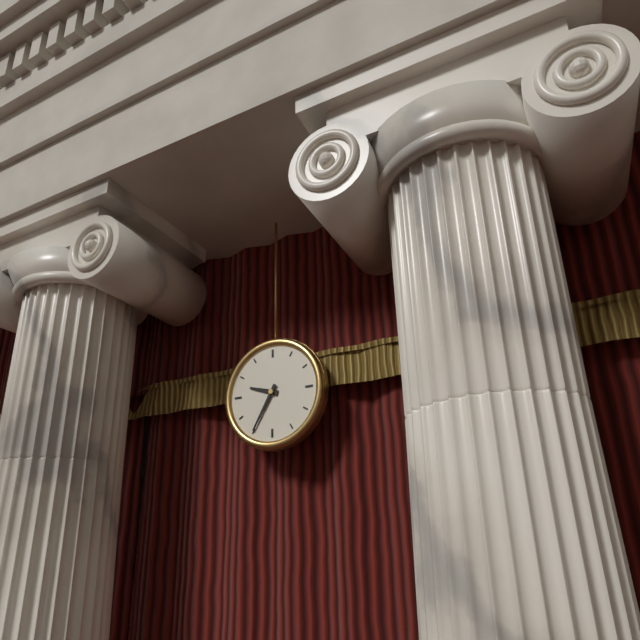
9:35
